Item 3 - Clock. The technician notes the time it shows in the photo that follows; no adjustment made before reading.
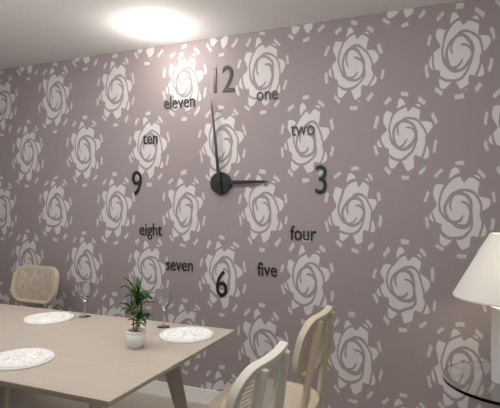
2:59
